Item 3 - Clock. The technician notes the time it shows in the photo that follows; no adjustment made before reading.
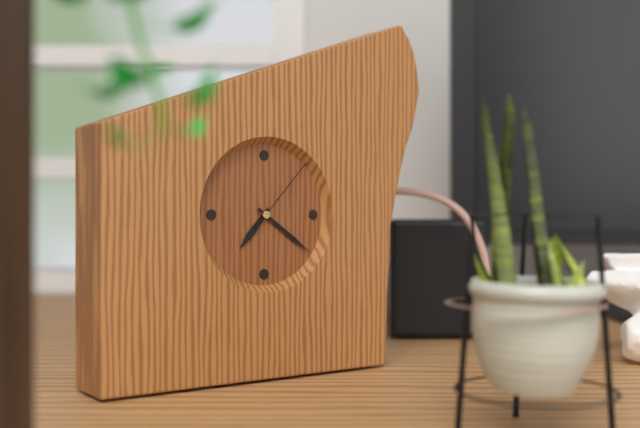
7:21:07
